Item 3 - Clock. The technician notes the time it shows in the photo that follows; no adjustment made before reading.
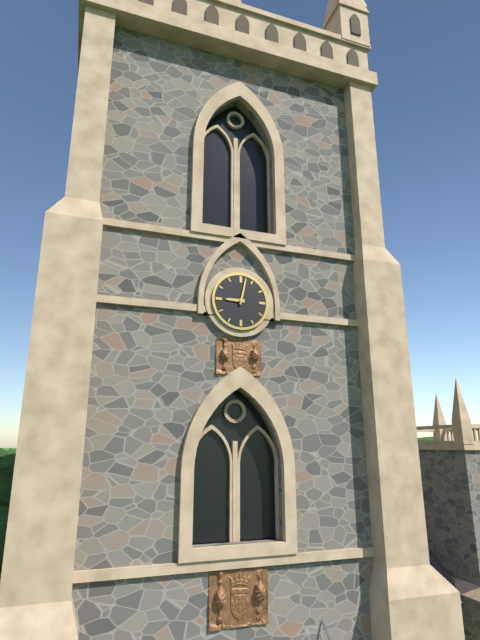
9:02
